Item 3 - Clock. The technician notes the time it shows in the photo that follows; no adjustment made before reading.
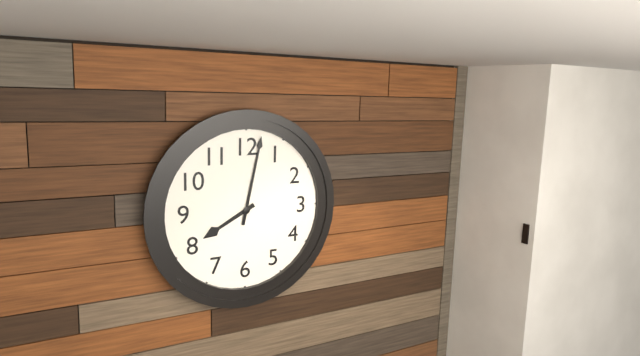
8:02
